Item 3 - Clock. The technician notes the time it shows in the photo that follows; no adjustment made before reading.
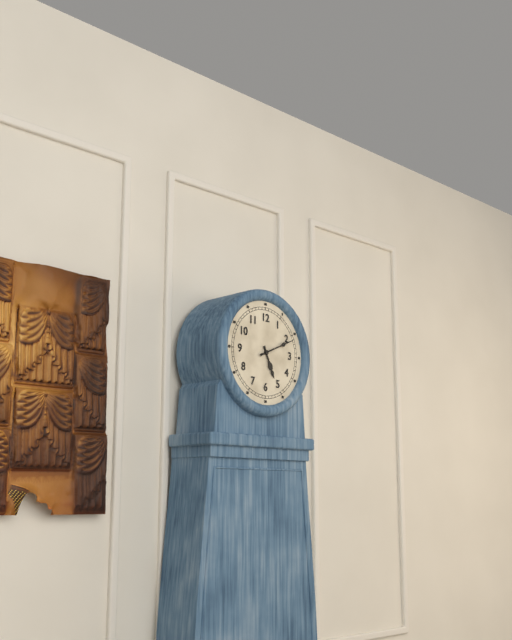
5:11
